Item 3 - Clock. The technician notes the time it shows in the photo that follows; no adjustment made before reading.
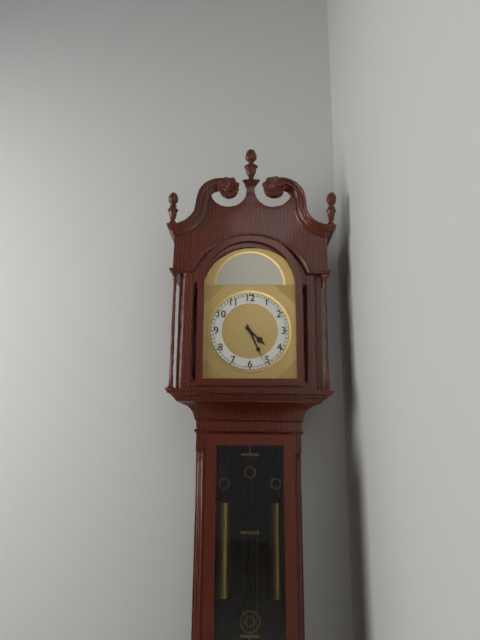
4:26
